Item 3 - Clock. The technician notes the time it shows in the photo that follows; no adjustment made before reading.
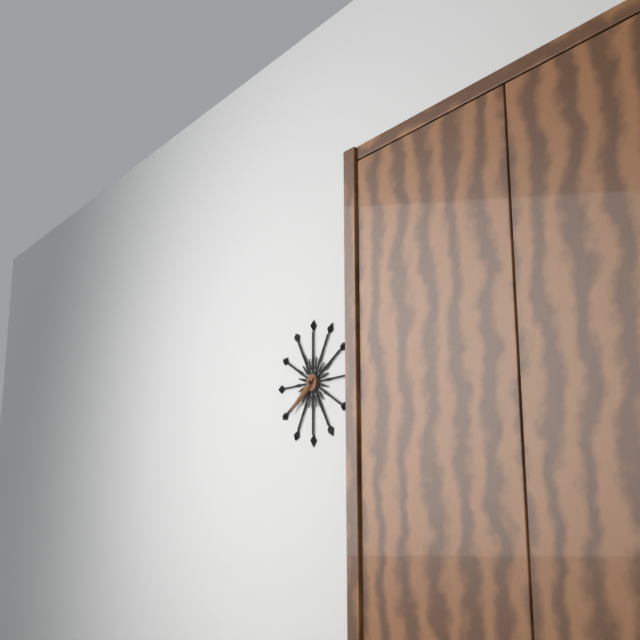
7:39
